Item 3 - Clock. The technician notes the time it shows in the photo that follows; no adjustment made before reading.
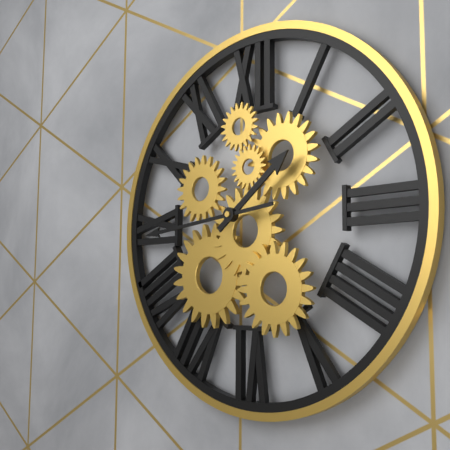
1:44
